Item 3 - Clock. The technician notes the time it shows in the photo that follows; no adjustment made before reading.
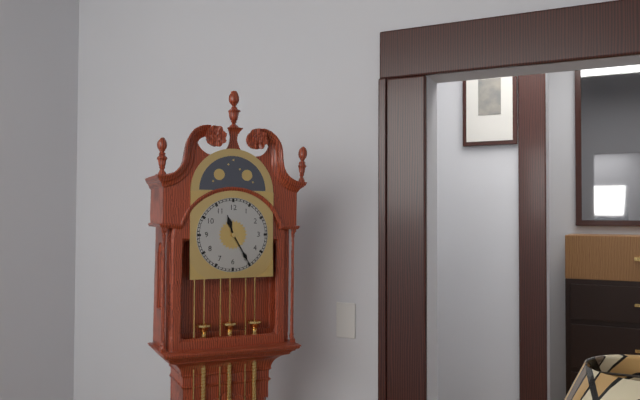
11:25
